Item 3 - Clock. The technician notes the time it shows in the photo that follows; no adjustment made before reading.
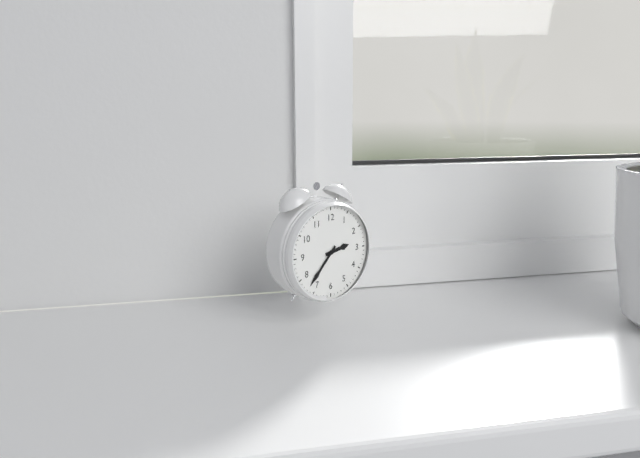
2:37
